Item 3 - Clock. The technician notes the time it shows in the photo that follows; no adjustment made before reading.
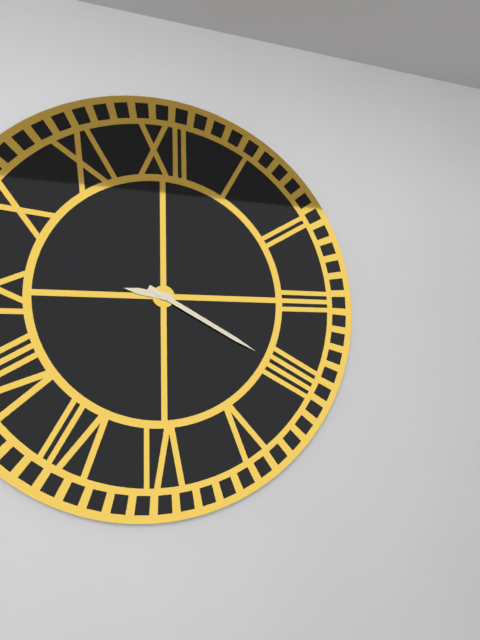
9:20
